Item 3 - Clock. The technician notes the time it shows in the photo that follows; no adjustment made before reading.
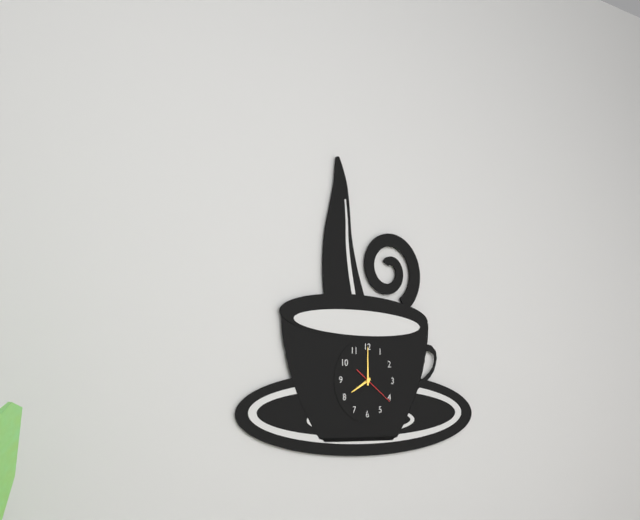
8:00
